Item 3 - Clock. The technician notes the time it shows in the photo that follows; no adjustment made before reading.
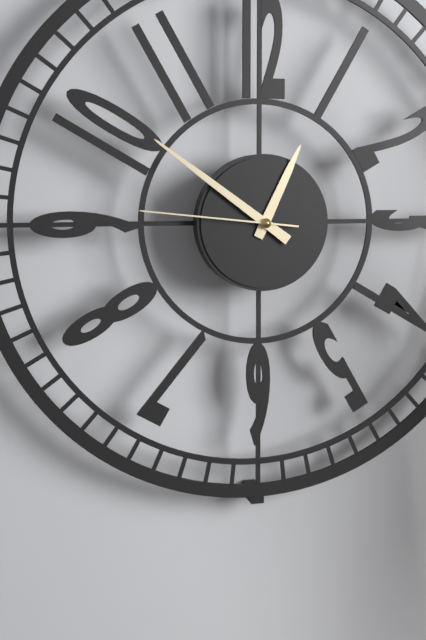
12:51:46
